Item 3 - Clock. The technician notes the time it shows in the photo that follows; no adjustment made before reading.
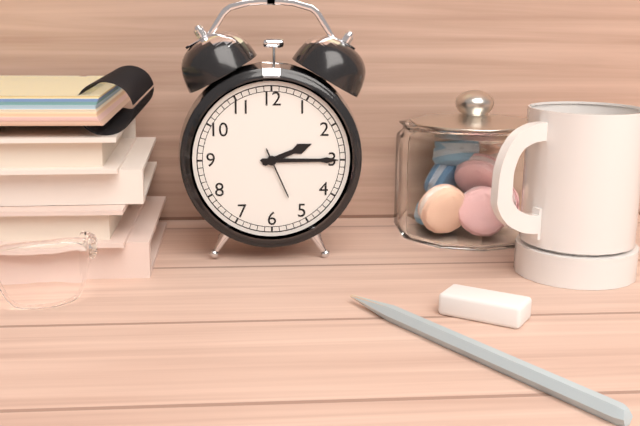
2:15:26
